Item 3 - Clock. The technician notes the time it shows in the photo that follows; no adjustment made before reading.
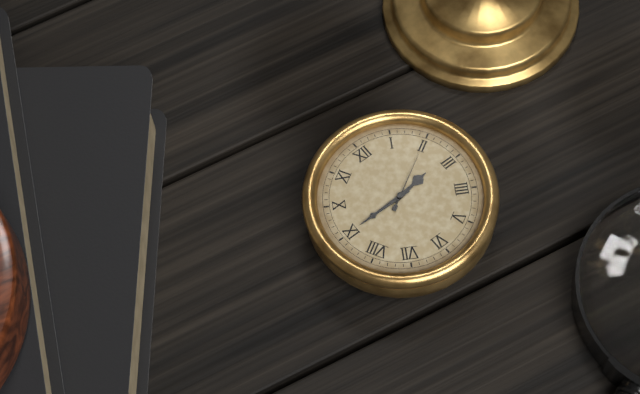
2:45:10
